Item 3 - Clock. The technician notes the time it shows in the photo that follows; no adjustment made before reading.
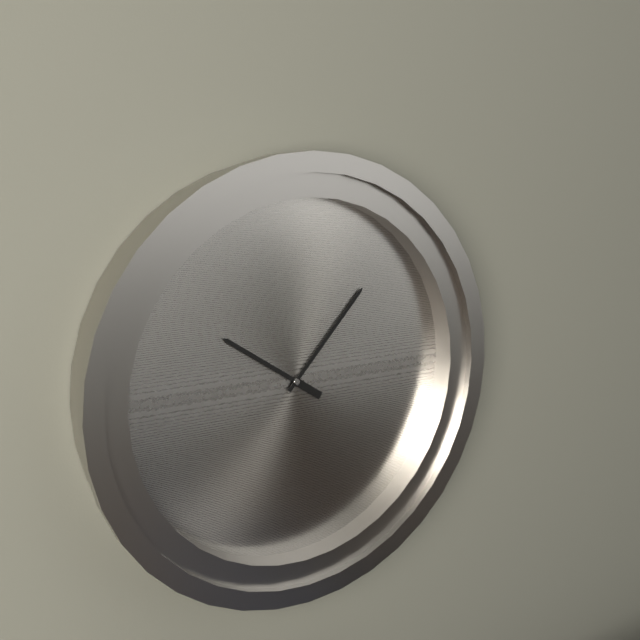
10:07
